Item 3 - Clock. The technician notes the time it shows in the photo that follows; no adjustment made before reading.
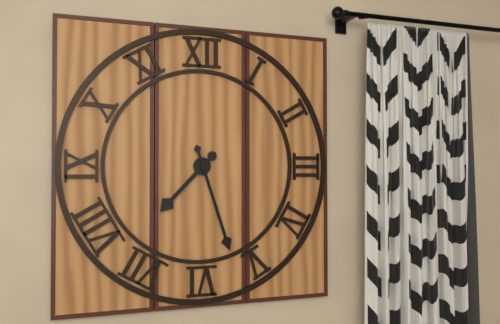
7:27
